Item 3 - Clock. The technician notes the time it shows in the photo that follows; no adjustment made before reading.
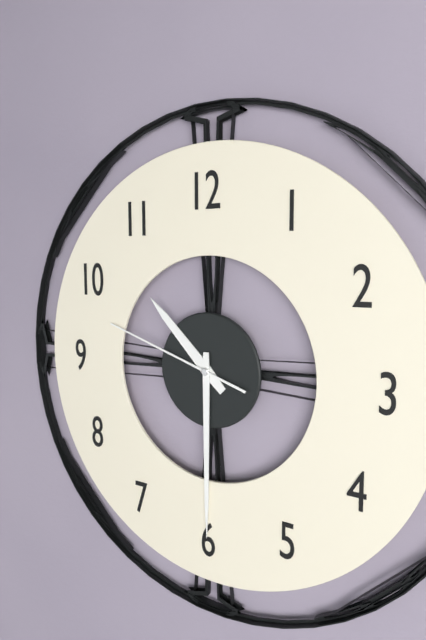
10:30:48
